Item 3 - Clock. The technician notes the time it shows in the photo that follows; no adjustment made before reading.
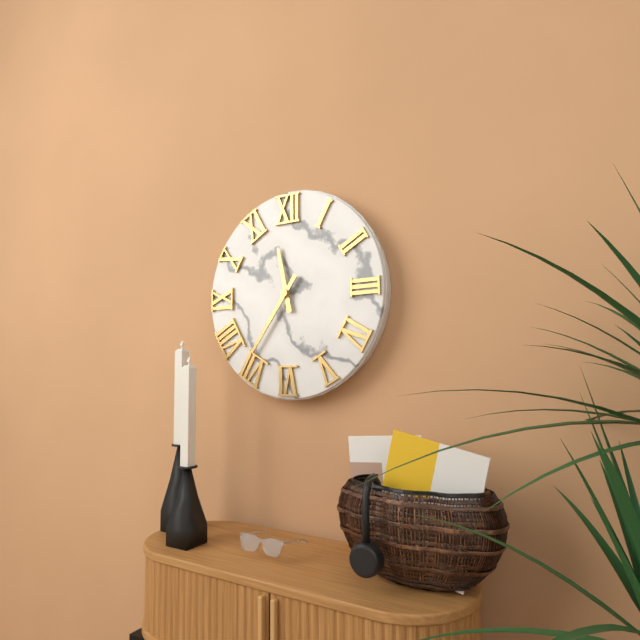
11:36
